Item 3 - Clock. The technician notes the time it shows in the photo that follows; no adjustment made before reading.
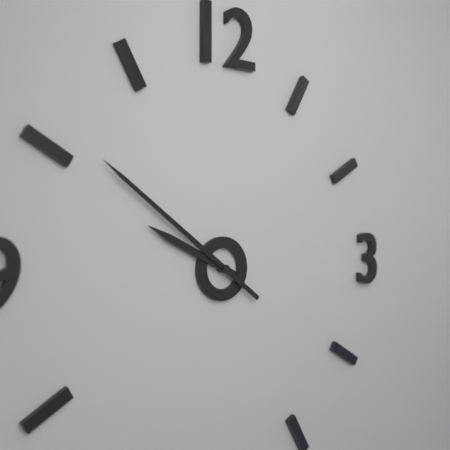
9:51
